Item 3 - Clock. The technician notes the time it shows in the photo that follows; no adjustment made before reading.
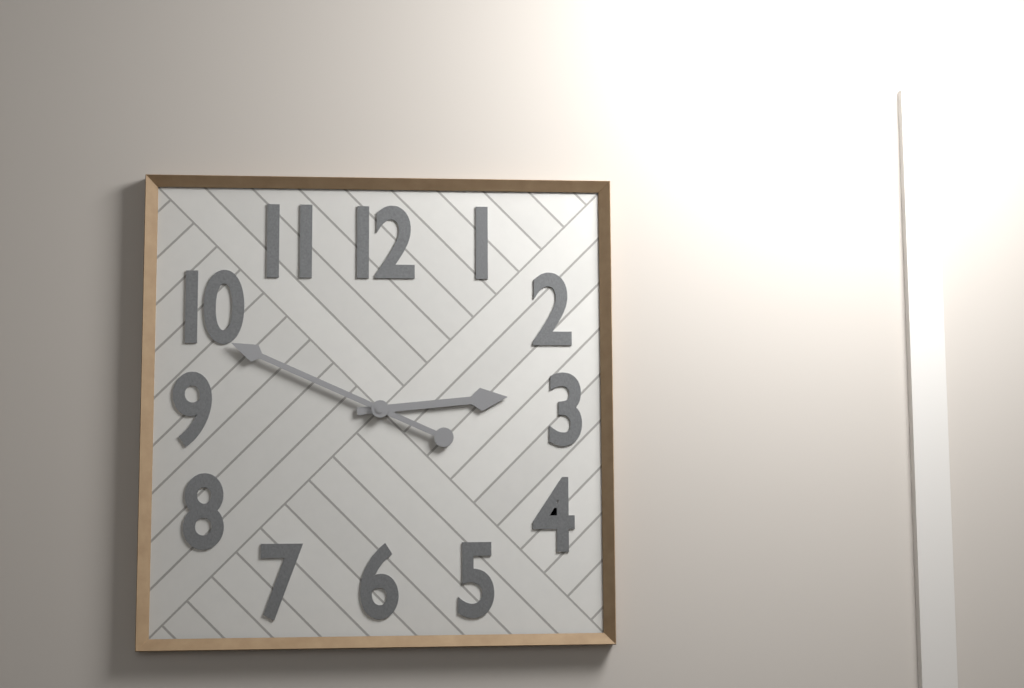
2:49
